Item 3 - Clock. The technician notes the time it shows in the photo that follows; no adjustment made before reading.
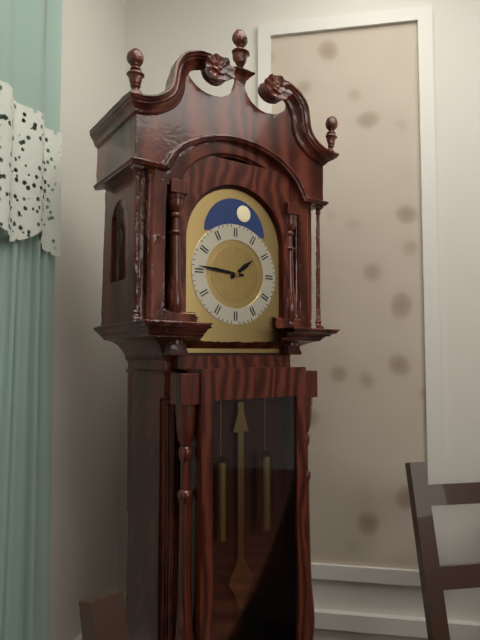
1:46
